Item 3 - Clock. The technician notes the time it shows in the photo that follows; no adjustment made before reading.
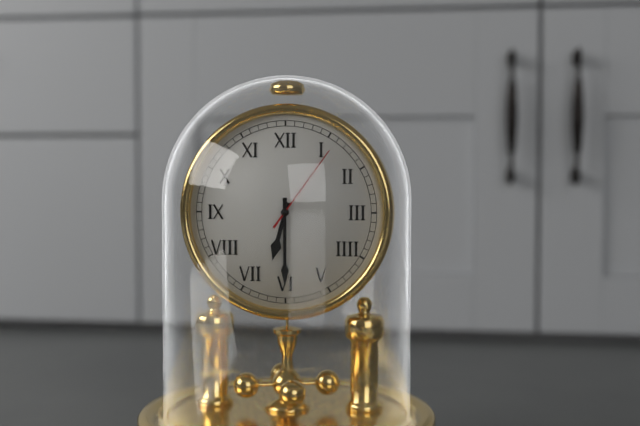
6:30:06
